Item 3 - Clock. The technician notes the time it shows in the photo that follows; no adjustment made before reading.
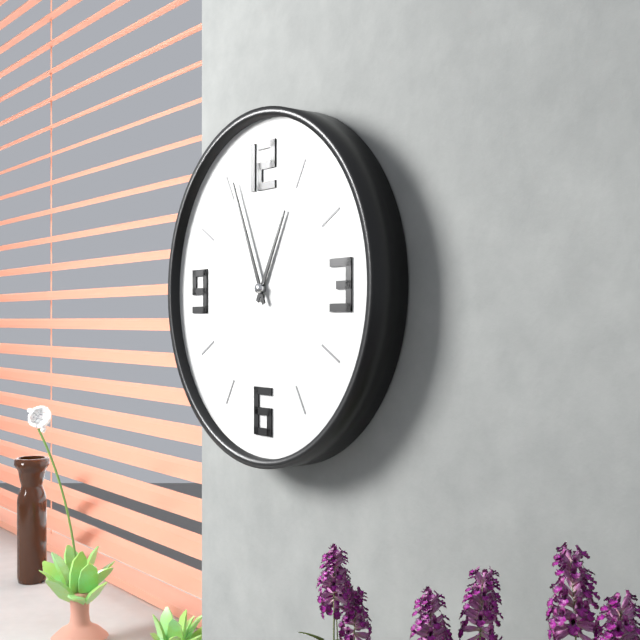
12:56
